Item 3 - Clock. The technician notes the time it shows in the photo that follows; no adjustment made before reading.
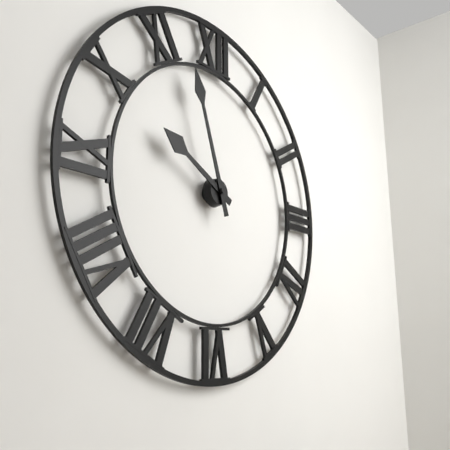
9:57
